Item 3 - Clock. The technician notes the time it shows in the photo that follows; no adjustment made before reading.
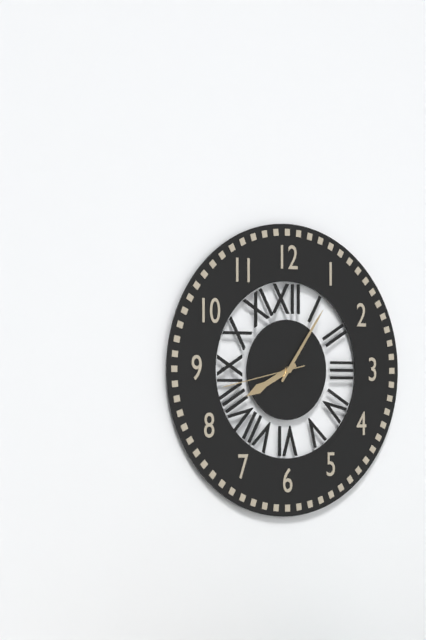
8:06:43
